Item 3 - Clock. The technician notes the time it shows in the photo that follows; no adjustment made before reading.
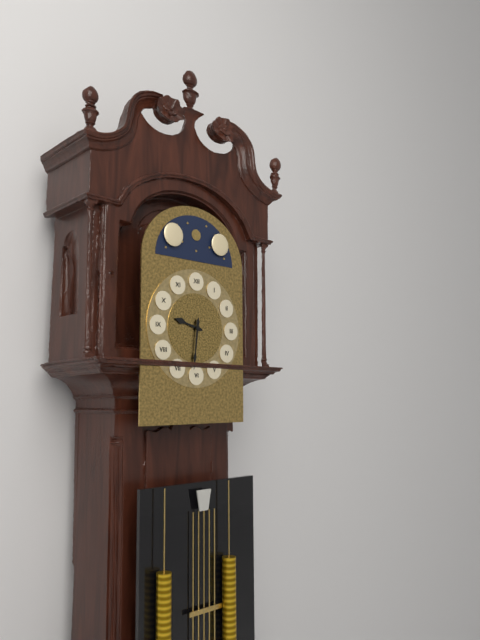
9:31
